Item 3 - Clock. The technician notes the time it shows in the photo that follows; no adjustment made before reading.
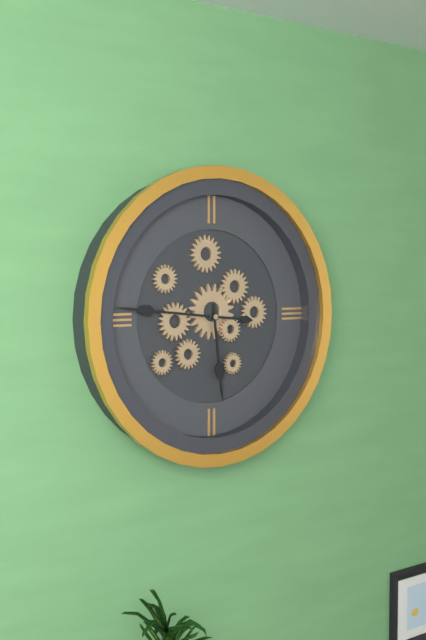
5:46
